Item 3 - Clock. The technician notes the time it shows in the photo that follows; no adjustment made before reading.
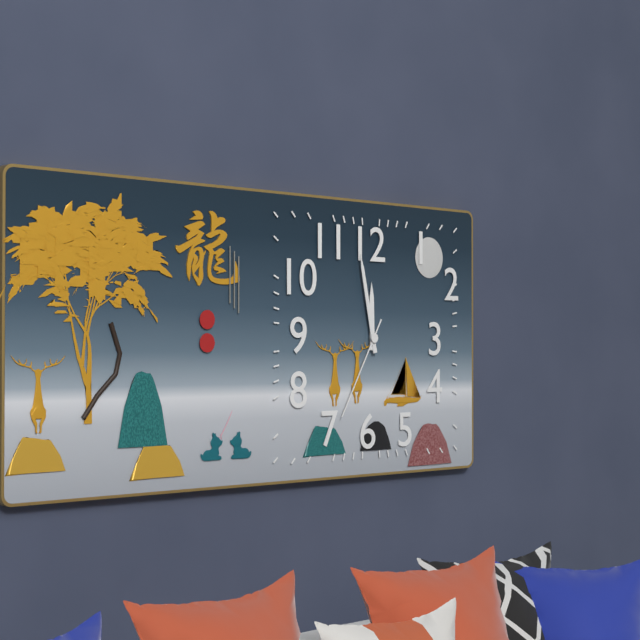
11:58:35
